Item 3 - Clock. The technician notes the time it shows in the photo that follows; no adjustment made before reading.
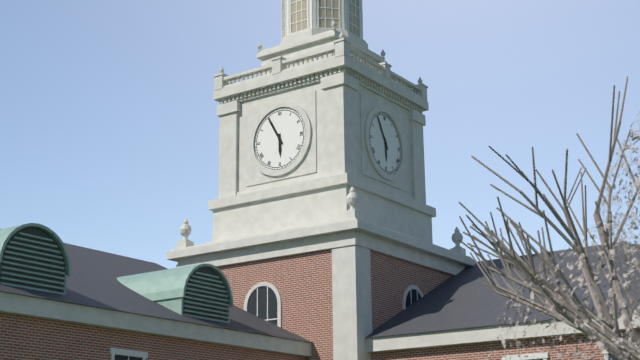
5:55
